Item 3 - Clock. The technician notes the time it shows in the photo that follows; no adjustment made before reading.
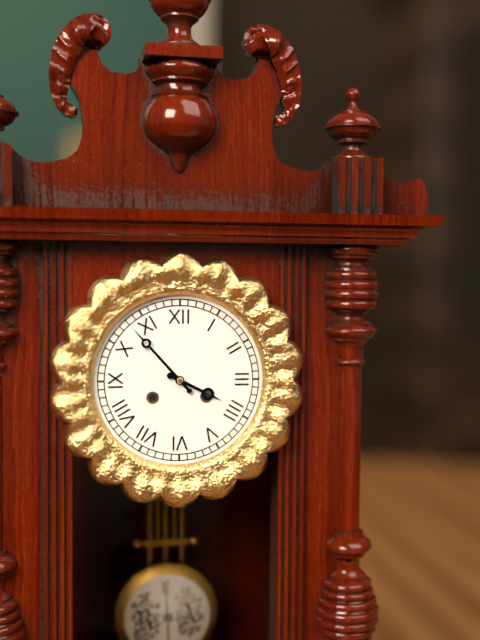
3:53
